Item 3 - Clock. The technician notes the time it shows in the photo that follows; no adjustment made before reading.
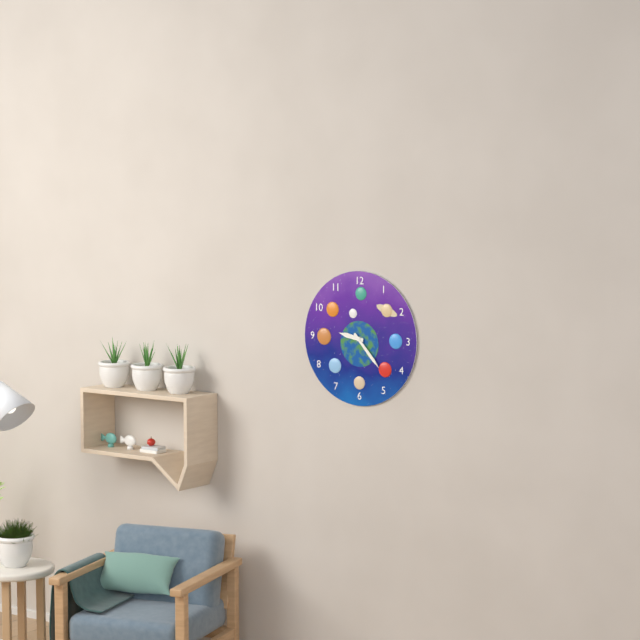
9:23
